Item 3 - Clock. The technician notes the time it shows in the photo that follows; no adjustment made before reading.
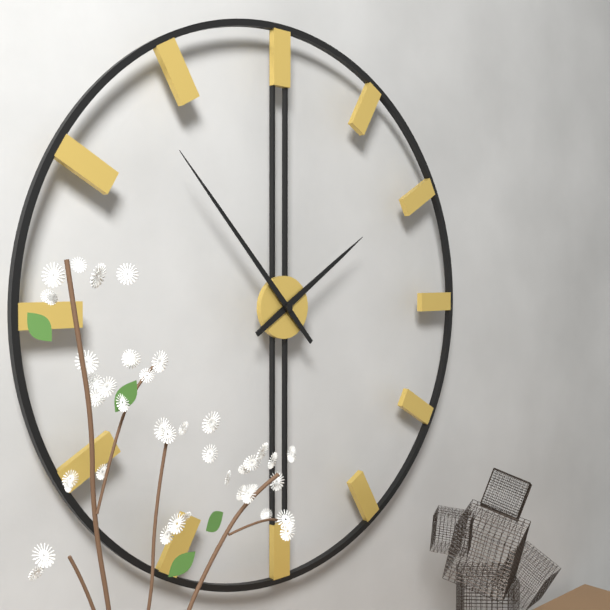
1:53
